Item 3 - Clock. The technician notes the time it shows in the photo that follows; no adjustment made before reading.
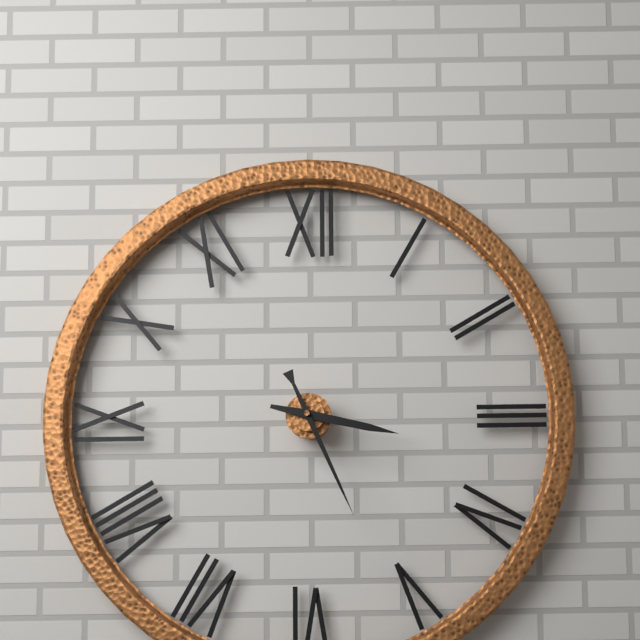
3:26
